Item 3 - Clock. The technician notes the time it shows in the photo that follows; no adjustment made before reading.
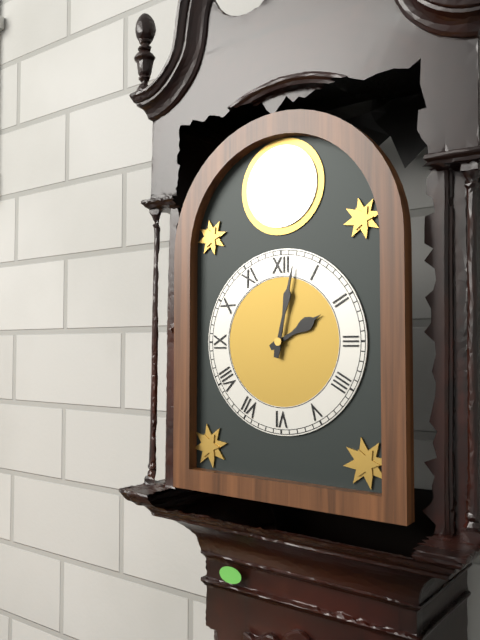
2:02
